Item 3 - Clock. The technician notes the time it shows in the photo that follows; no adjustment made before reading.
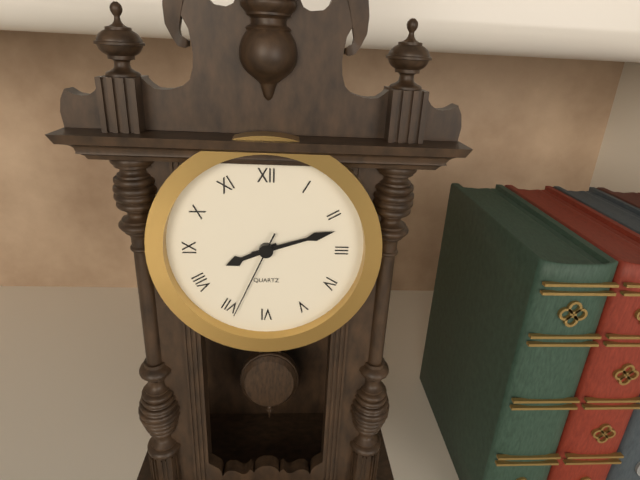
8:12:34
